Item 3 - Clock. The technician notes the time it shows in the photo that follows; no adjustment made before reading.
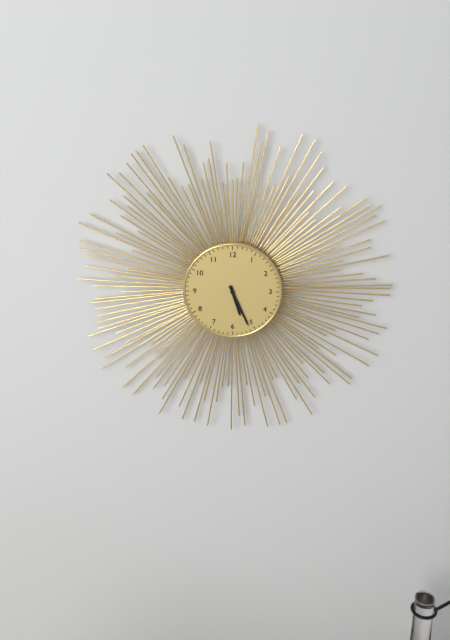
5:26
